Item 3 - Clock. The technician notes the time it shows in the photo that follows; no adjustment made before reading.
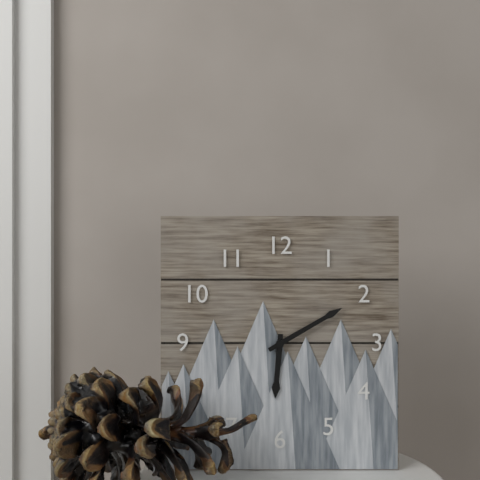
6:10
